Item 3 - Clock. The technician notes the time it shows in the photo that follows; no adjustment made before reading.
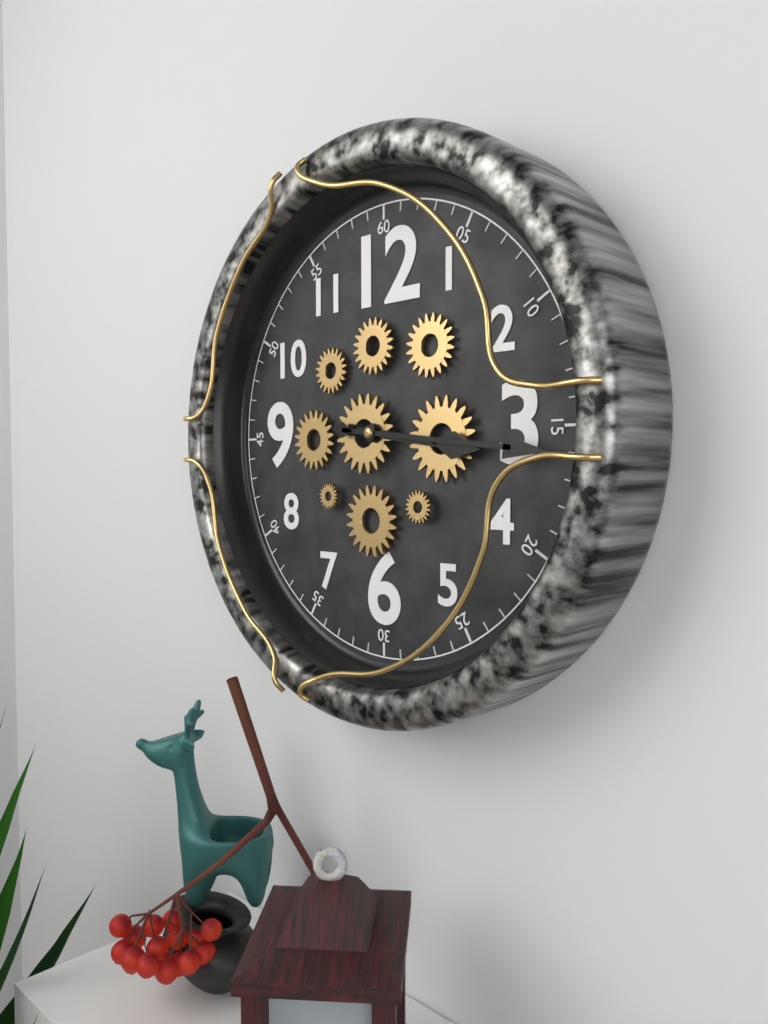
3:16
